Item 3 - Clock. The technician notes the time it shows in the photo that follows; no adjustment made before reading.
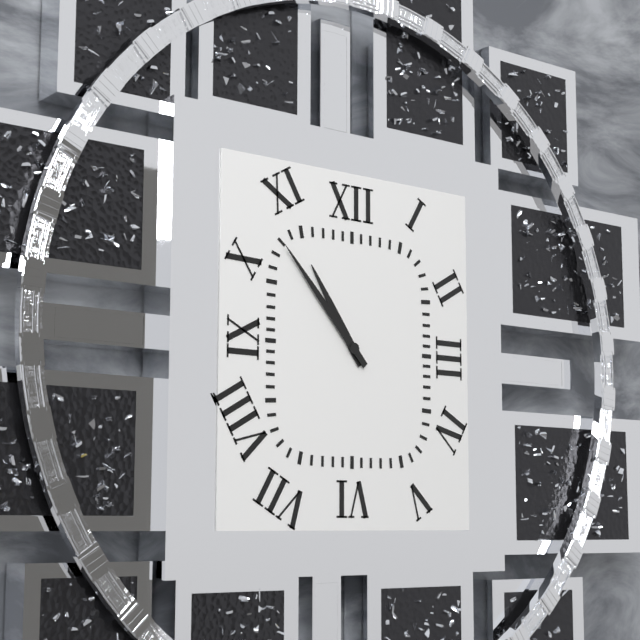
10:53
